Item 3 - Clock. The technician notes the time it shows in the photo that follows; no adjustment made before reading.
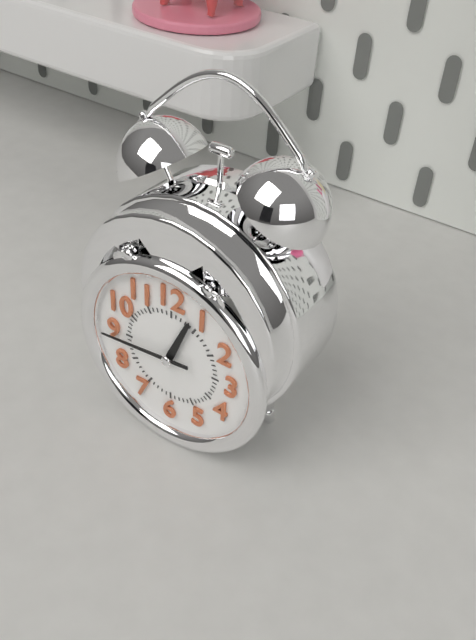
12:44
